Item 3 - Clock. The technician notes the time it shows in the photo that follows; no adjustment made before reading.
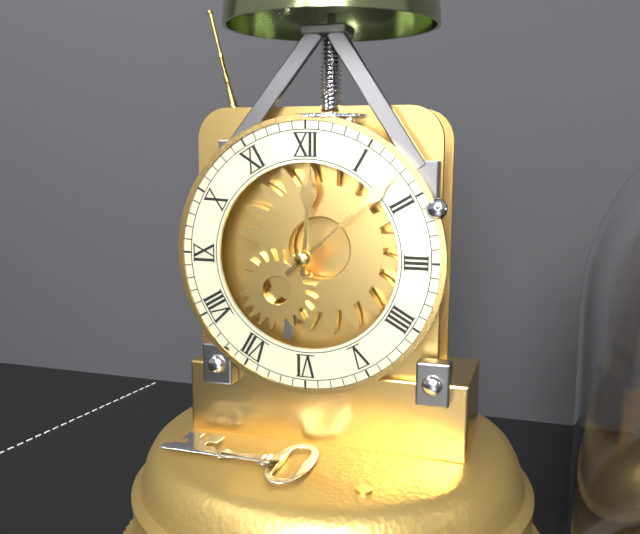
12:08
